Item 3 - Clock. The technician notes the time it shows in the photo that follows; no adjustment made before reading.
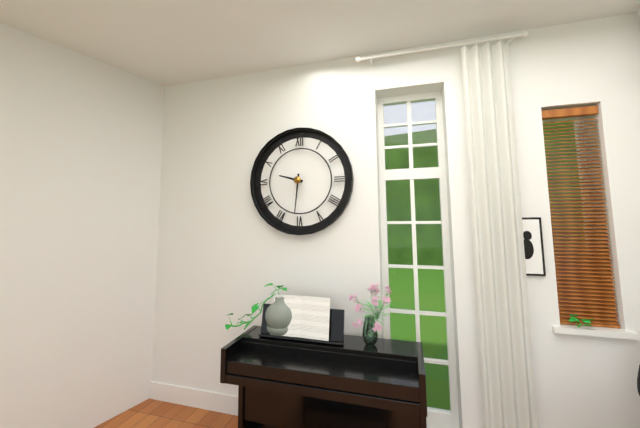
9:31
